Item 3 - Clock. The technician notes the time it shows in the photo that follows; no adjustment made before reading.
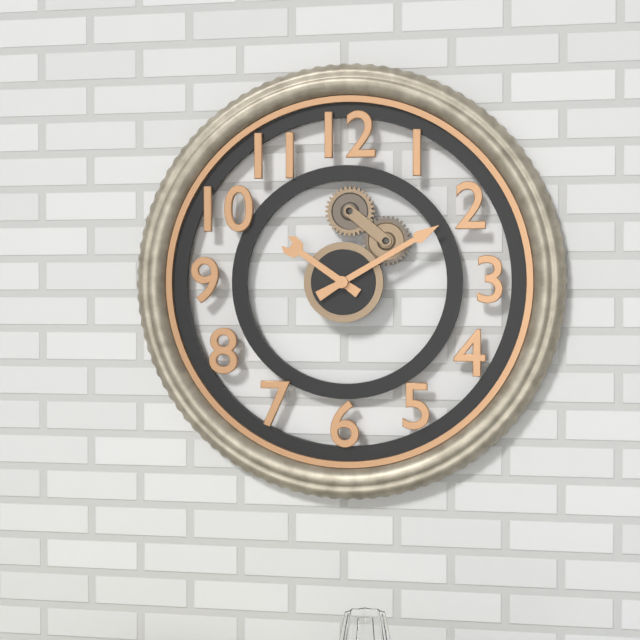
10:10
